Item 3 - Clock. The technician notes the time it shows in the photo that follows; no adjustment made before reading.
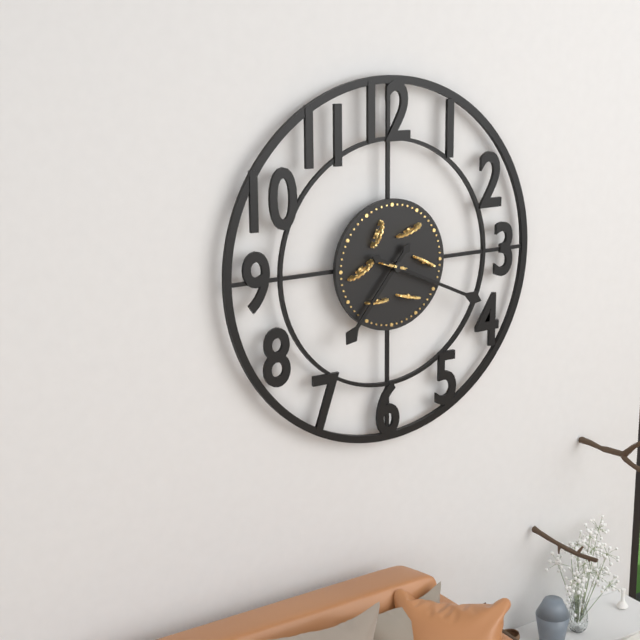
7:19
